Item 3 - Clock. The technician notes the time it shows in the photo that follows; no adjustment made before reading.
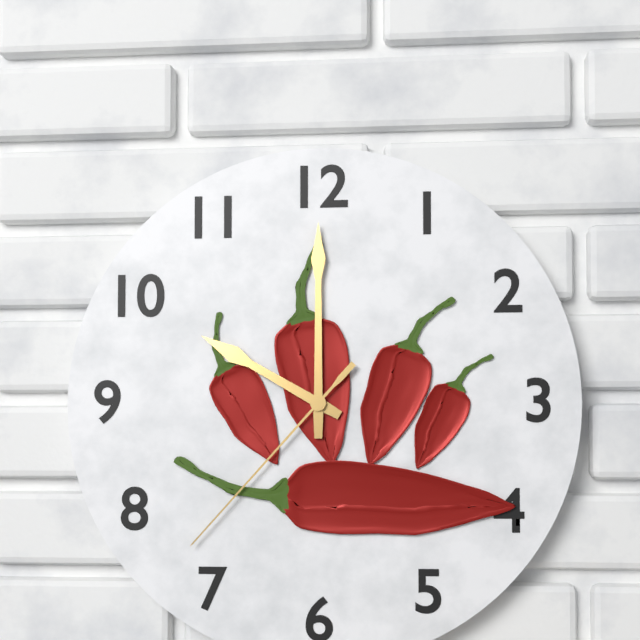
10:00:37
